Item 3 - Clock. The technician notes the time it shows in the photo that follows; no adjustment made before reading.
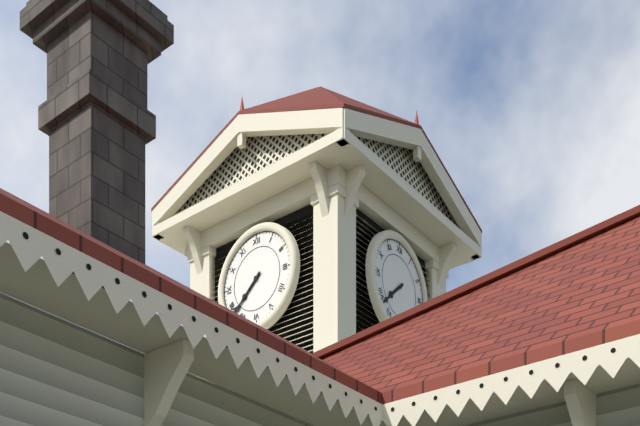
7:38
